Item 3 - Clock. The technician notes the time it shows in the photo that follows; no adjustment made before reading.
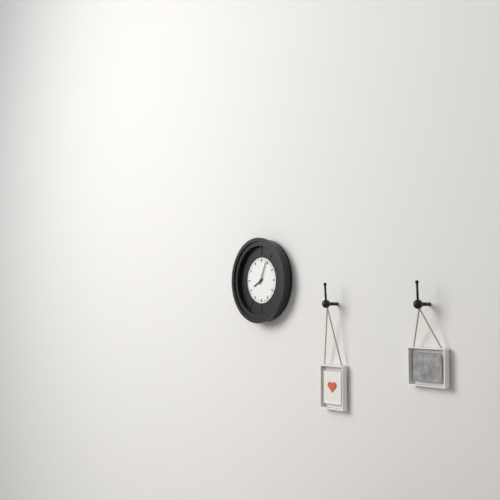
8:04
